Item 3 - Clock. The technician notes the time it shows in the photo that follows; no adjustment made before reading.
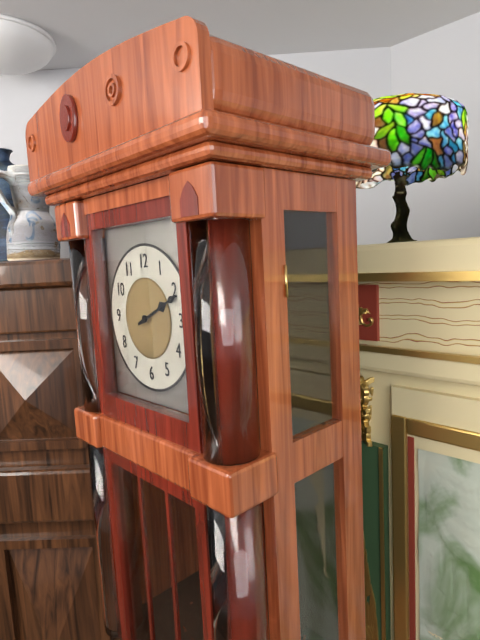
2:11
